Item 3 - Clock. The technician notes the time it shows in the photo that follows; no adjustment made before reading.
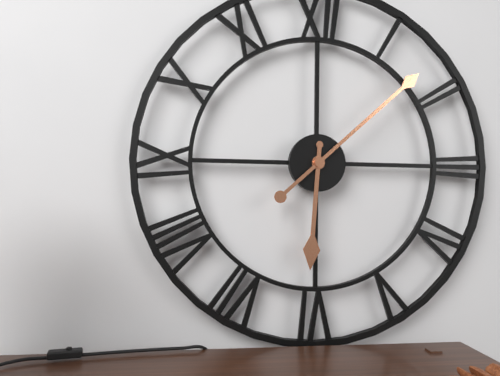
6:08
